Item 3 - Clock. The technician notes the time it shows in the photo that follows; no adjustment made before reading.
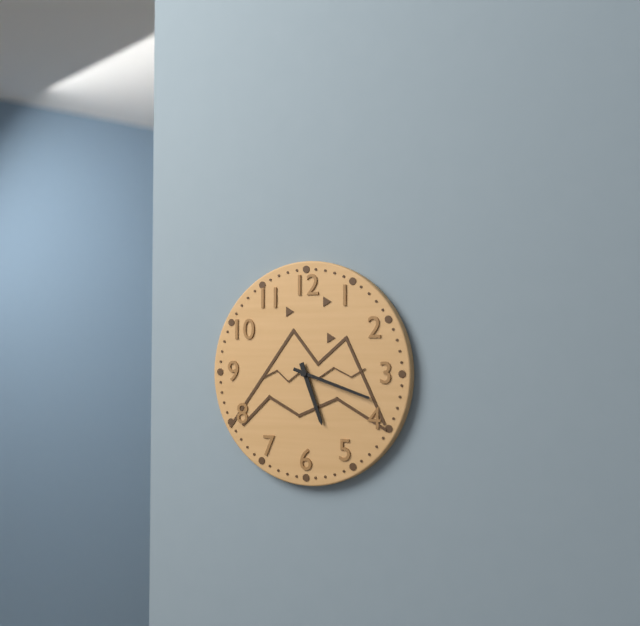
5:18
